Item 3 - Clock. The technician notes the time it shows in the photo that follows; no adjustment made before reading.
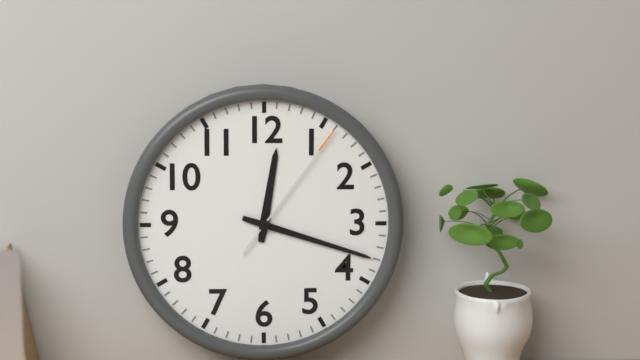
12:18:06
